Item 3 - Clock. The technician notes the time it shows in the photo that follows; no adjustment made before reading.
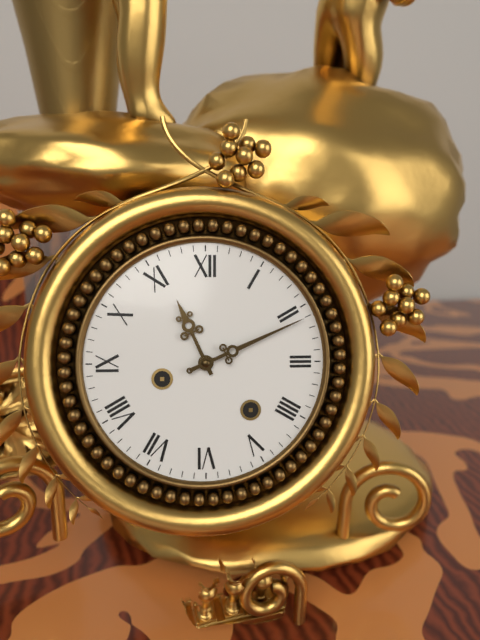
11:11
